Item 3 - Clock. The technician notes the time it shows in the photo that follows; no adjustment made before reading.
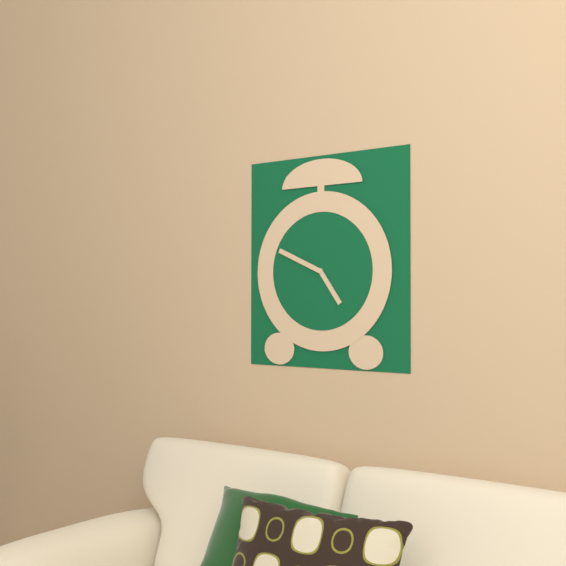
4:49
